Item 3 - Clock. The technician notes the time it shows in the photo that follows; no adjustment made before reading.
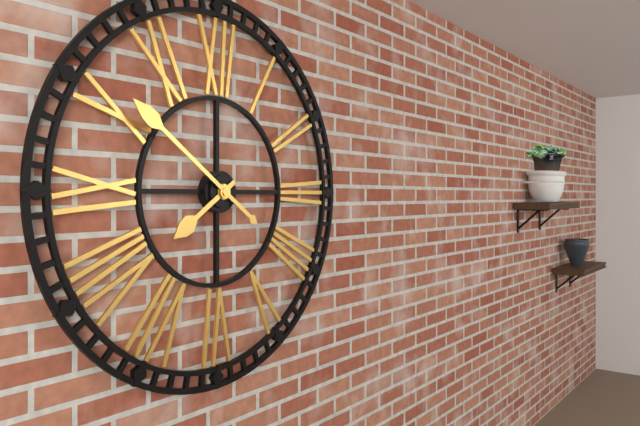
7:51
